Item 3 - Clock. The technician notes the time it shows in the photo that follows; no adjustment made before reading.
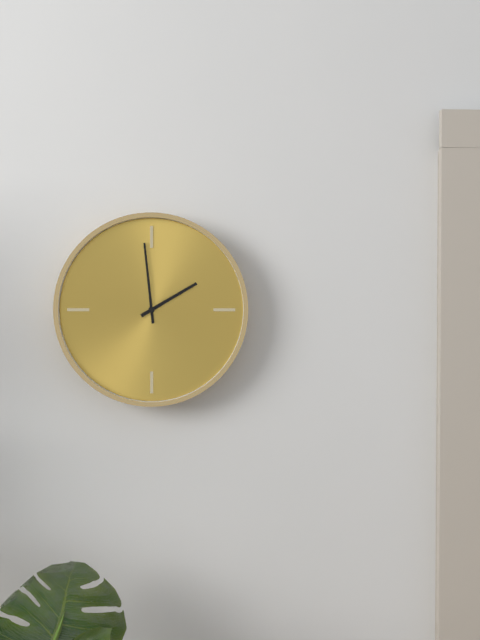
1:59
